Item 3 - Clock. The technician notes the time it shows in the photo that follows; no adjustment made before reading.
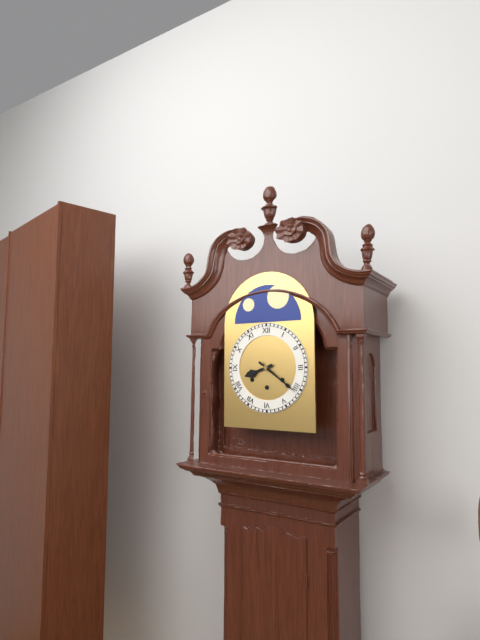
8:21
